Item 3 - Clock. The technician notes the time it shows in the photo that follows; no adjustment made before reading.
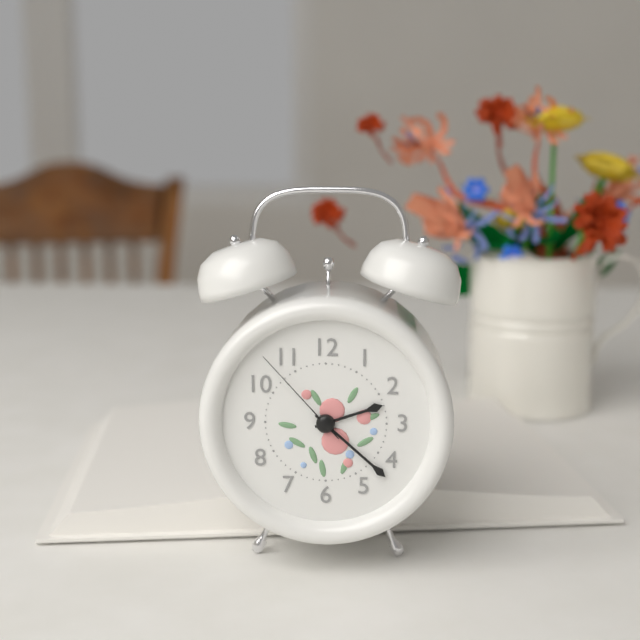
2:22:53
